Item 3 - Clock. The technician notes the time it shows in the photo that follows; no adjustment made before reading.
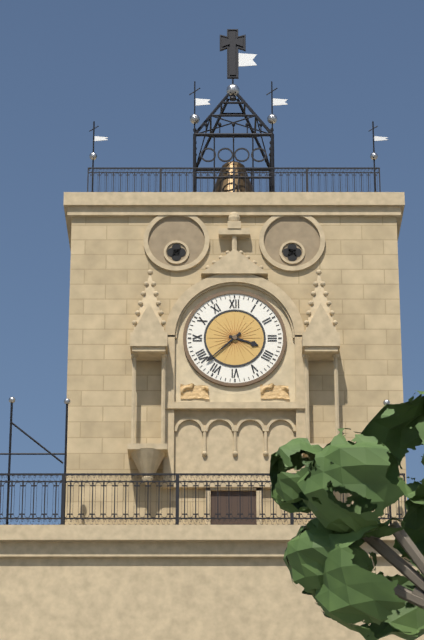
3:38
